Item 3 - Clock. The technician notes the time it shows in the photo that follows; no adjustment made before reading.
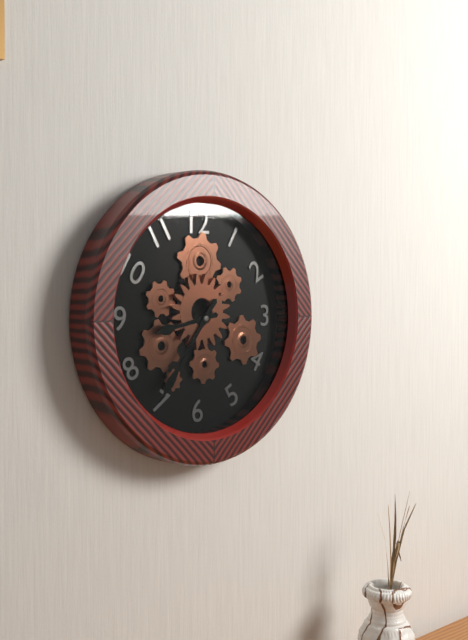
8:36
